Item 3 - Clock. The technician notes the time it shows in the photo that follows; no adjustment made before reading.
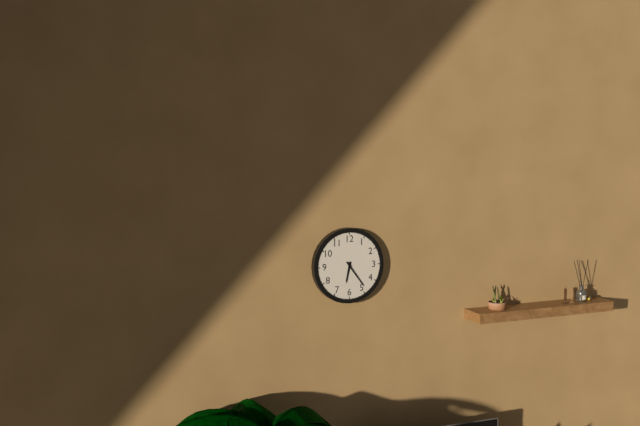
6:24
